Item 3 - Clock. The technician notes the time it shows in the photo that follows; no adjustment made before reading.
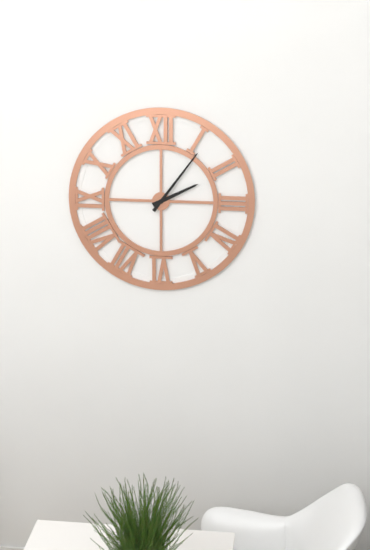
2:06
